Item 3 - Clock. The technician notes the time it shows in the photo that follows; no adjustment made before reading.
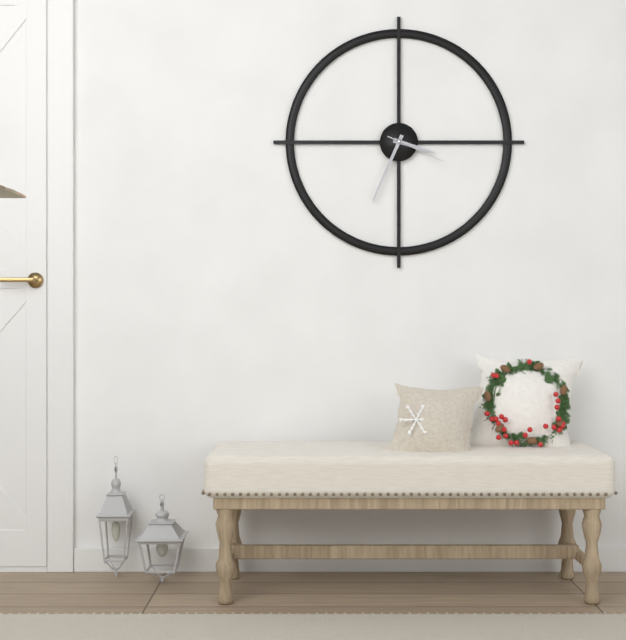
3:34:19
